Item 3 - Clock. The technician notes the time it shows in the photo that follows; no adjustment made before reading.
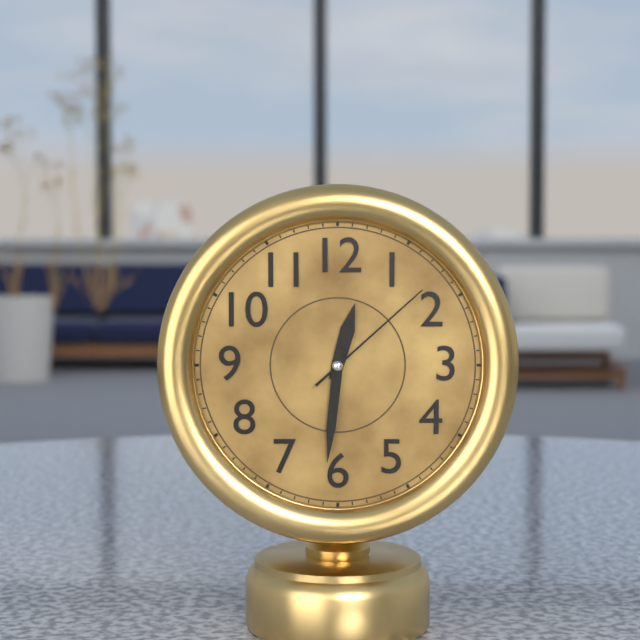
12:31:08
